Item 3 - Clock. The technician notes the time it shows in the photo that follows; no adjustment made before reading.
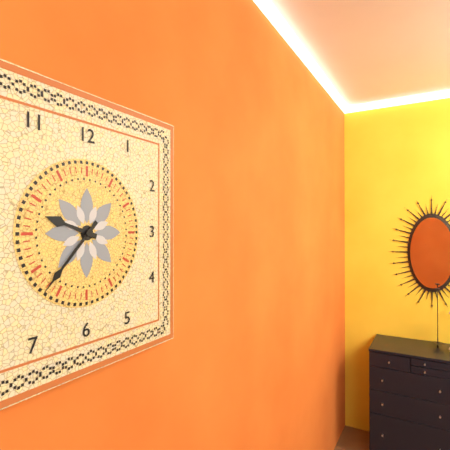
9:37
